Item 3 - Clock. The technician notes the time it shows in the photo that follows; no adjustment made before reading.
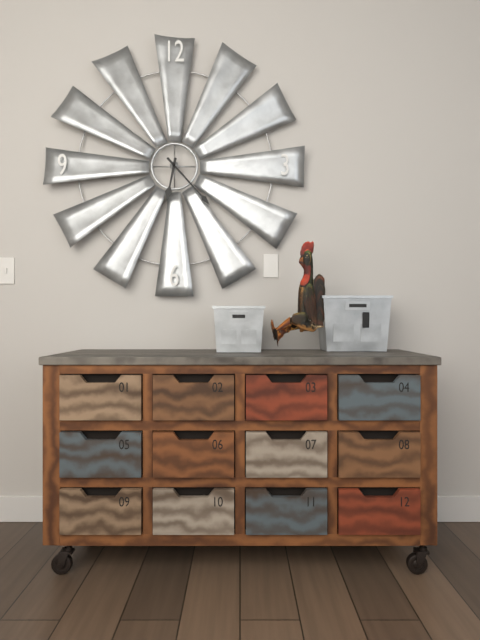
6:23
